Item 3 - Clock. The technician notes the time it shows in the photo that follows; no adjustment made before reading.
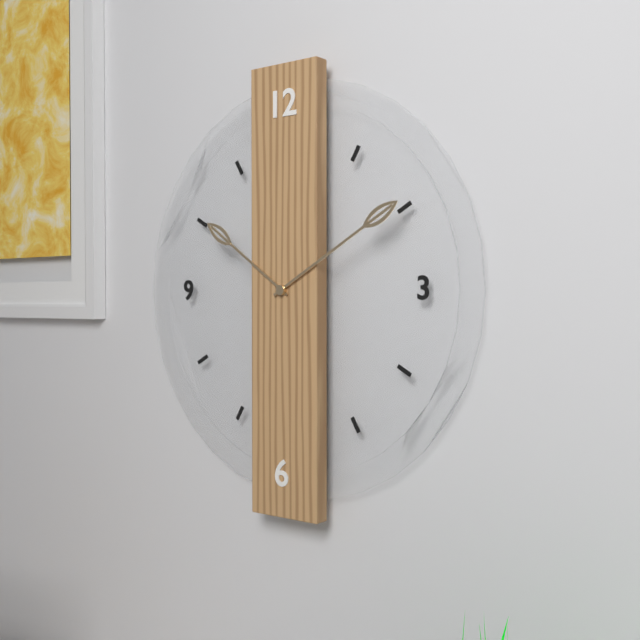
10:10
